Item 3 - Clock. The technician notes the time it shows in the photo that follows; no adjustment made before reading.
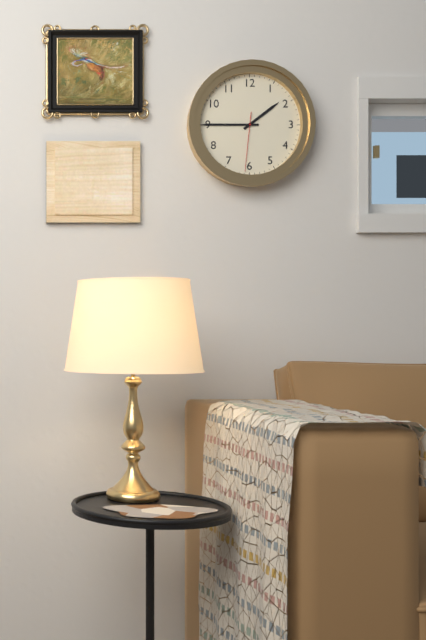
1:45:31
